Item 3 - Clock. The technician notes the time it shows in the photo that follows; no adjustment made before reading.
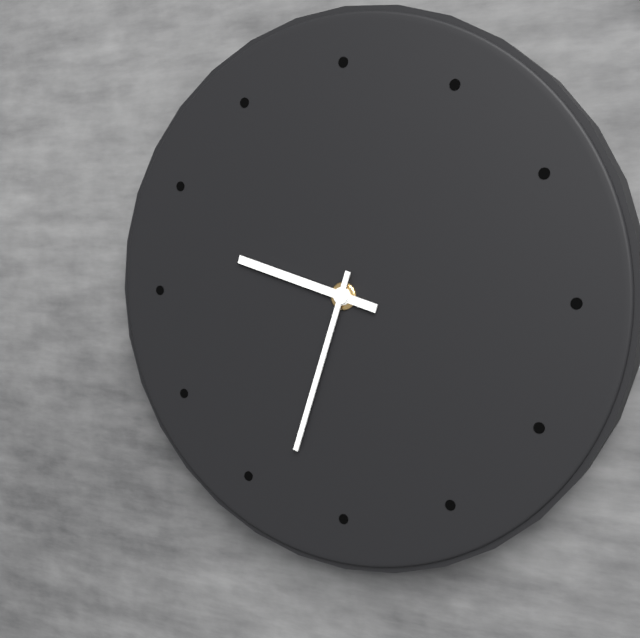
9:33
